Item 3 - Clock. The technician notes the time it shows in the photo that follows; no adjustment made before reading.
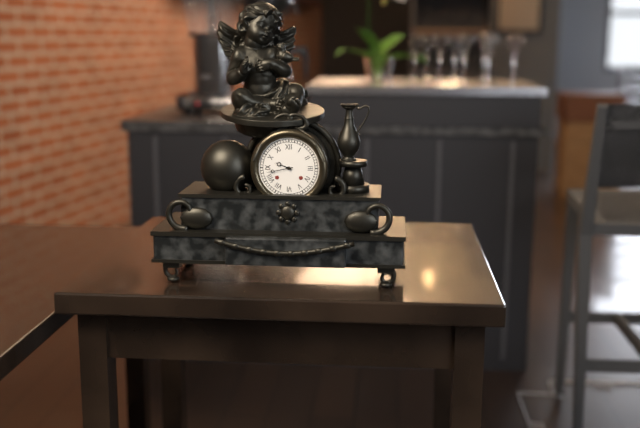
9:43
